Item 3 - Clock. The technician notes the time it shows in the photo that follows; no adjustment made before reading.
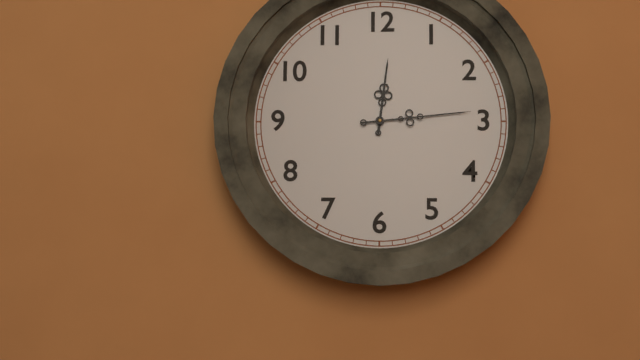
12:14
